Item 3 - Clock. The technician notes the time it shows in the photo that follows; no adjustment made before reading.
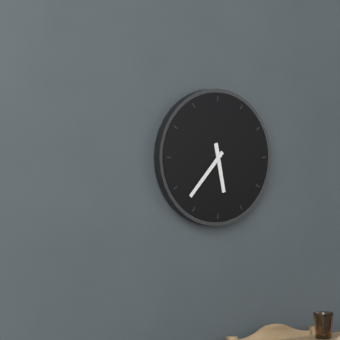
5:37
